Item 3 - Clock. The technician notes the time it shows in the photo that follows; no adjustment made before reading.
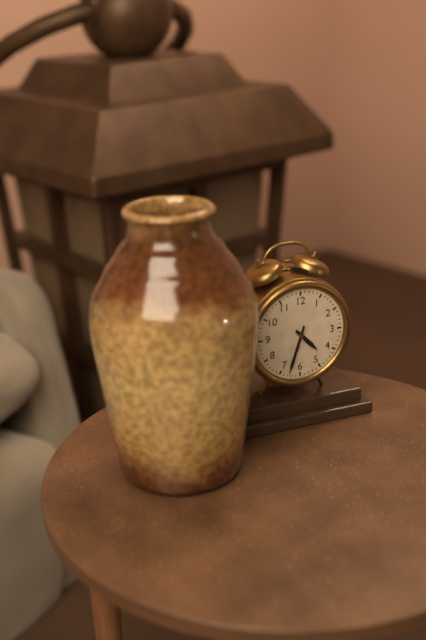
4:33
